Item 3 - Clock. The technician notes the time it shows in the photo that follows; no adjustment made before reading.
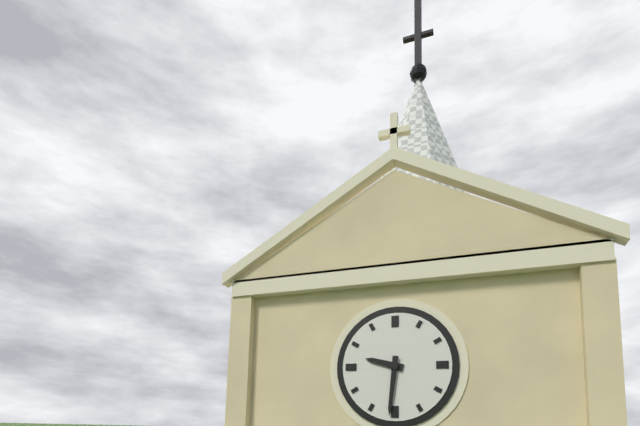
9:31
